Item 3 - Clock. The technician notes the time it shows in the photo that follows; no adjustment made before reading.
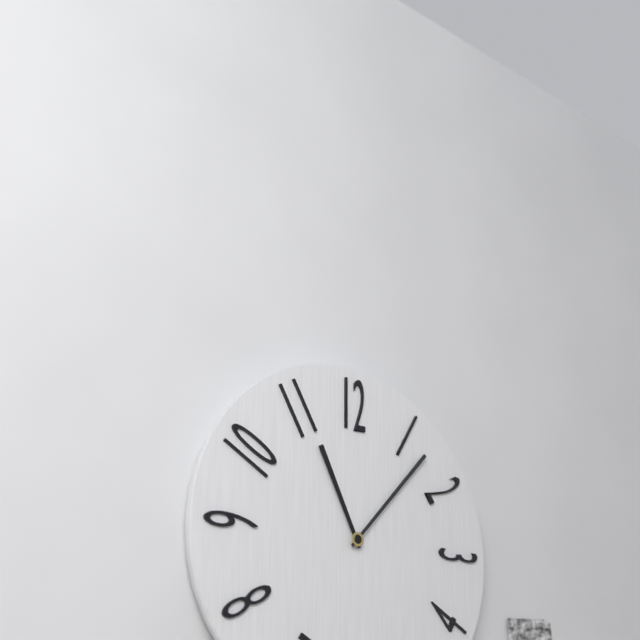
11:07
